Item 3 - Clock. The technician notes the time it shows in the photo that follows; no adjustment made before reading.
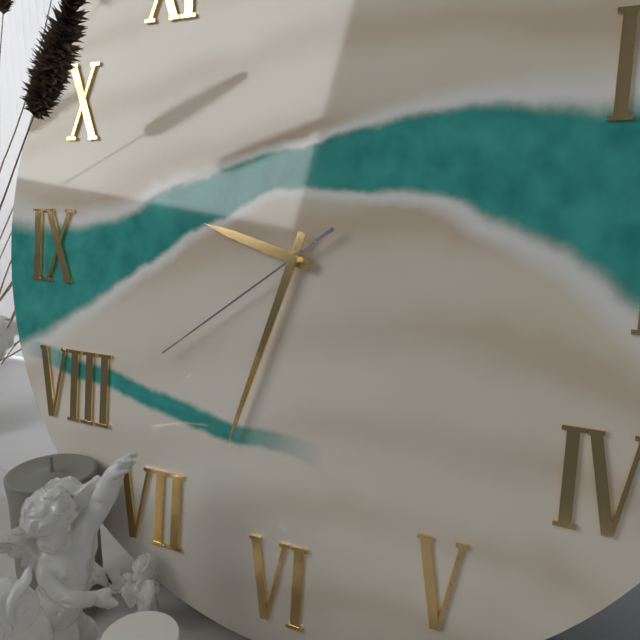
9:33:39
